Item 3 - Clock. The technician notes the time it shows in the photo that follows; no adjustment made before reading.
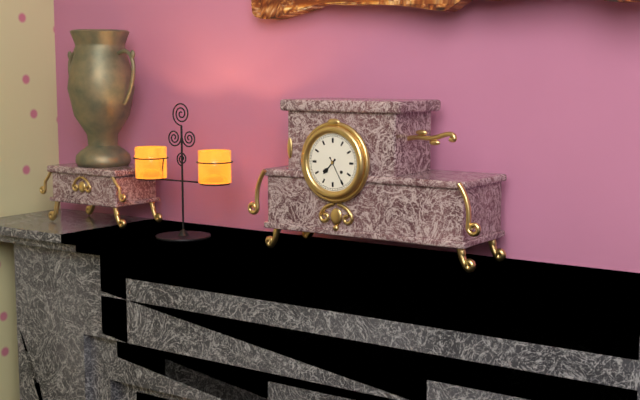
7:25
